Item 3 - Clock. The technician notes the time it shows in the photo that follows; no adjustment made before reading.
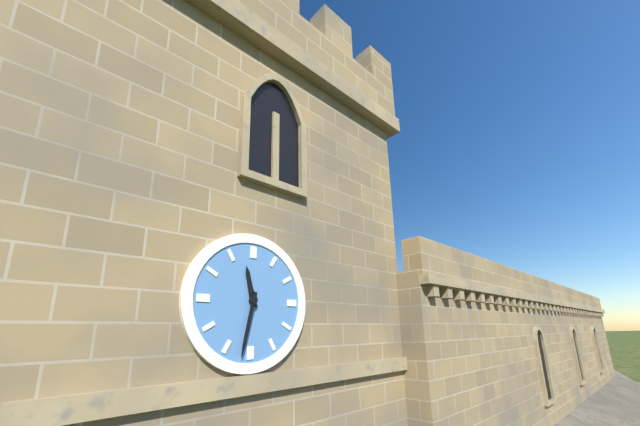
11:32
